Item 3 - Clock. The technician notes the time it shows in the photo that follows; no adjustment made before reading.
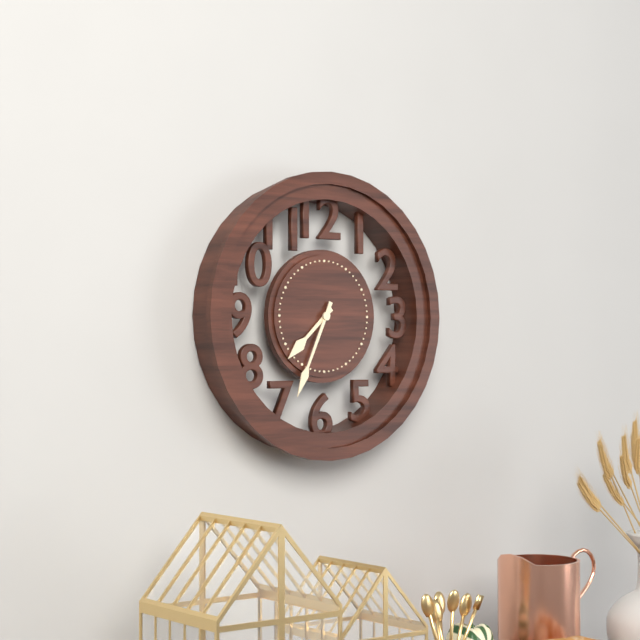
7:34
